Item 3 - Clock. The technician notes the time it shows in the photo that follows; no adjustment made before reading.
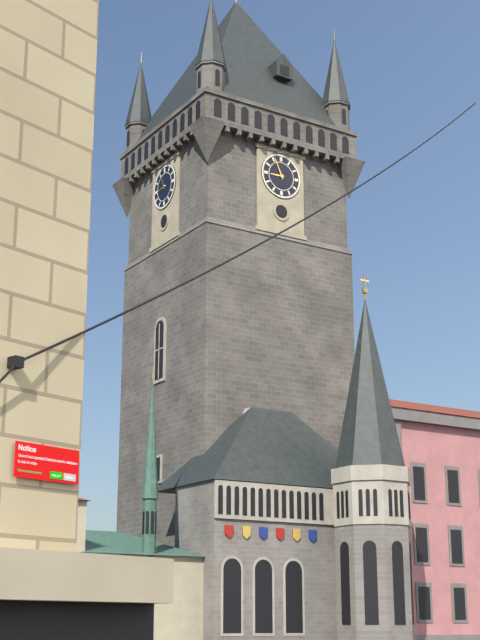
8:56
